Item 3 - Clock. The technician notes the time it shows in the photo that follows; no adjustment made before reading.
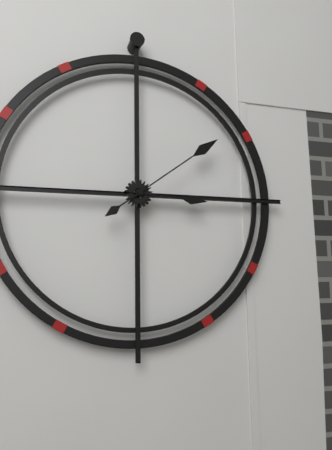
3:09
